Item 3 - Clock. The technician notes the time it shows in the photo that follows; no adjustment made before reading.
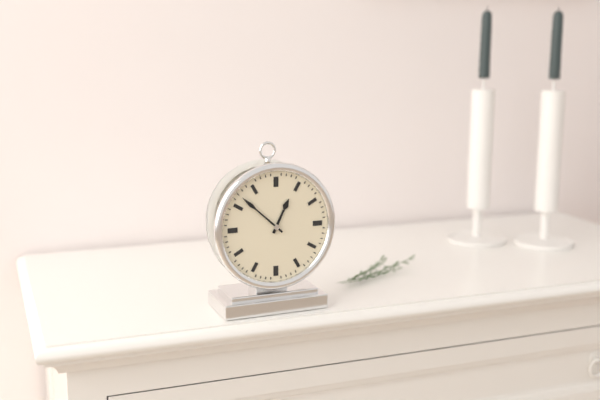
12:52
